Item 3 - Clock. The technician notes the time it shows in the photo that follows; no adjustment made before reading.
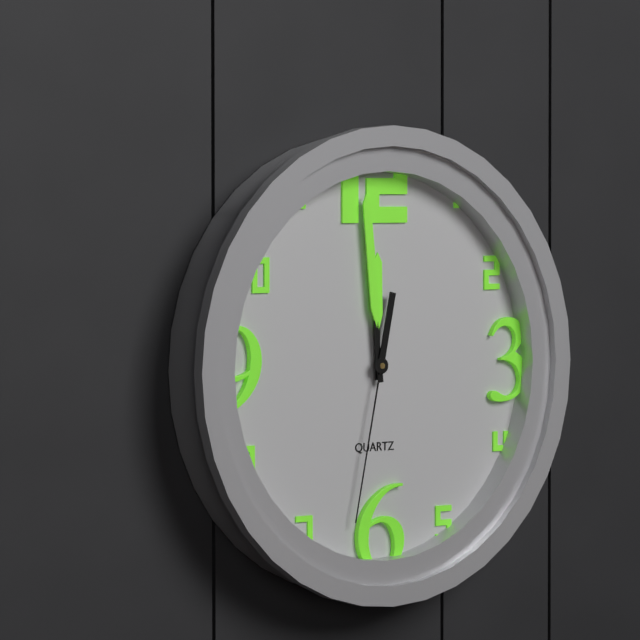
11:59:32
